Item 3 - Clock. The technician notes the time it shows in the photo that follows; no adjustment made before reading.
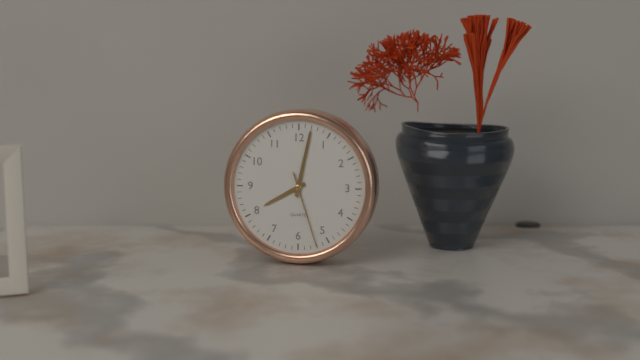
8:02:27
